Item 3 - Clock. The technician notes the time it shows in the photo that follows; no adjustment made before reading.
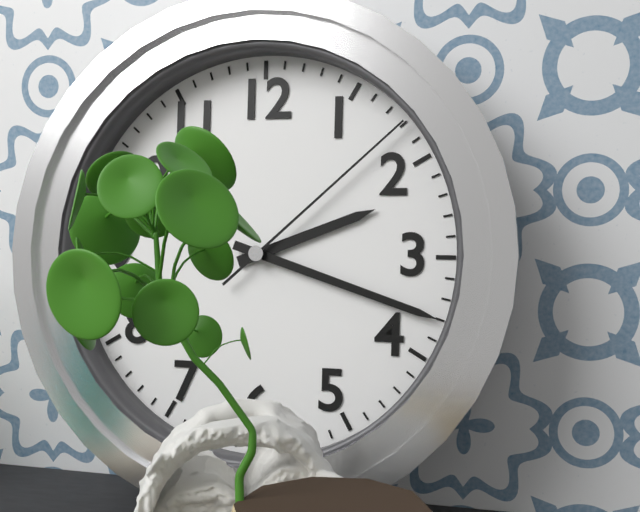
2:18:08
